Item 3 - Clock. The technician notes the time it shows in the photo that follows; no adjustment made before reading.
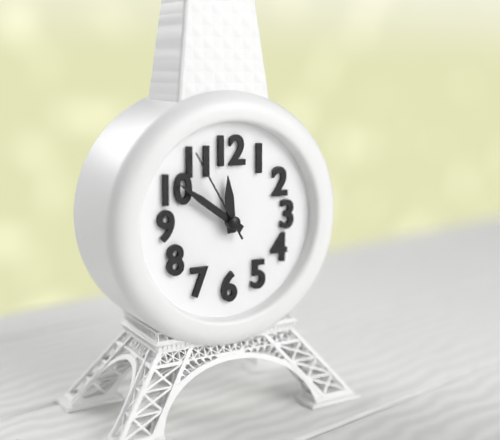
11:51:55
